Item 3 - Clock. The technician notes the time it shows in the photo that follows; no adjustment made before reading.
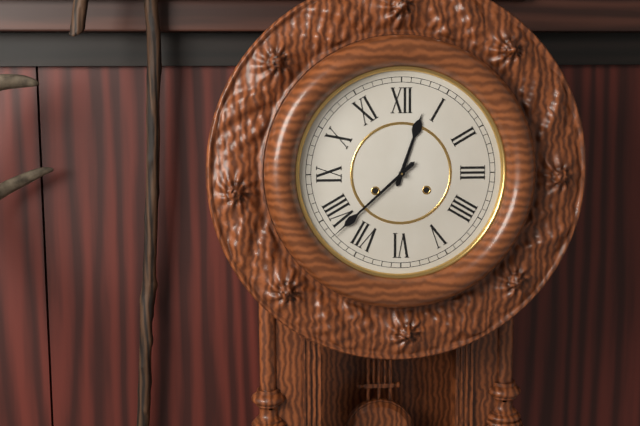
12:38
